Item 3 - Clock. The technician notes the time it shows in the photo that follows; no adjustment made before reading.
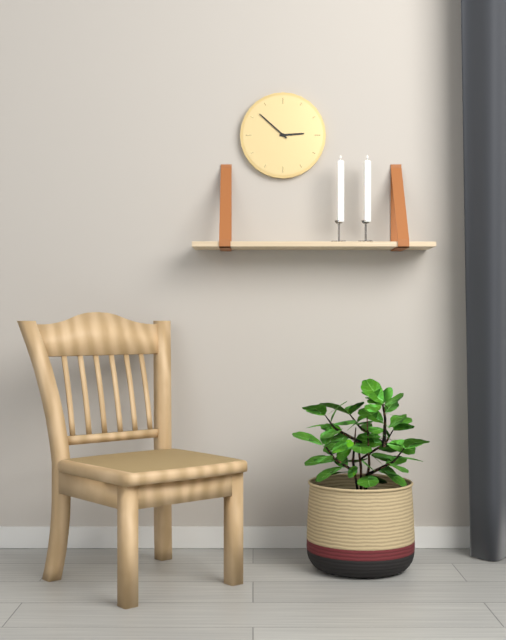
2:52
